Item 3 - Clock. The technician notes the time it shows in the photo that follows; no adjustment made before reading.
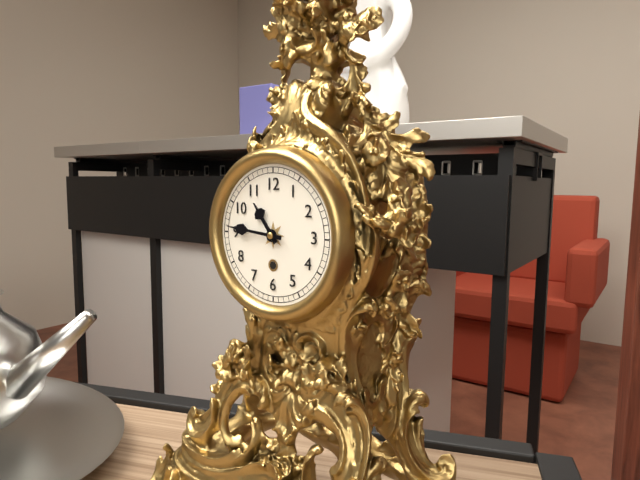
10:46
